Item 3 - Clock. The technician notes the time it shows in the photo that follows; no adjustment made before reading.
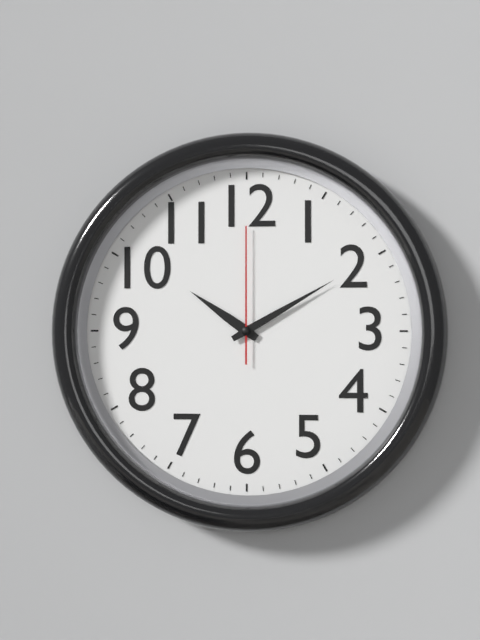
10:10:00
